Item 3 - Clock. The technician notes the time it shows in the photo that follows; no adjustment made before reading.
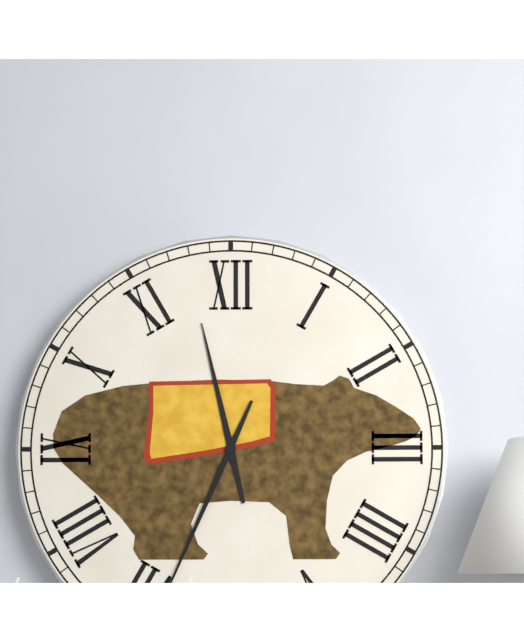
11:34
